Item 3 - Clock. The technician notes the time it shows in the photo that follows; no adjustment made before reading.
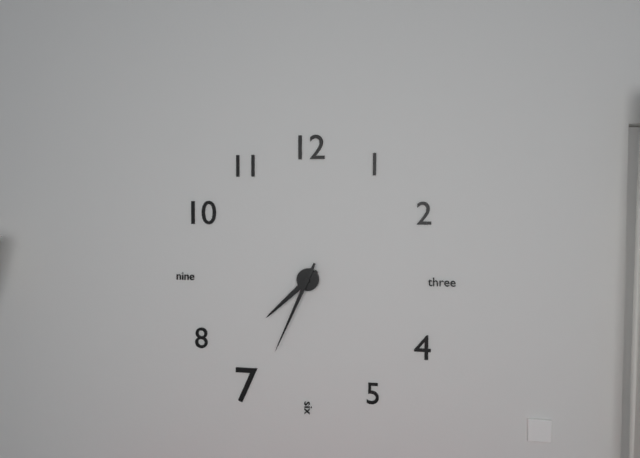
7:34
